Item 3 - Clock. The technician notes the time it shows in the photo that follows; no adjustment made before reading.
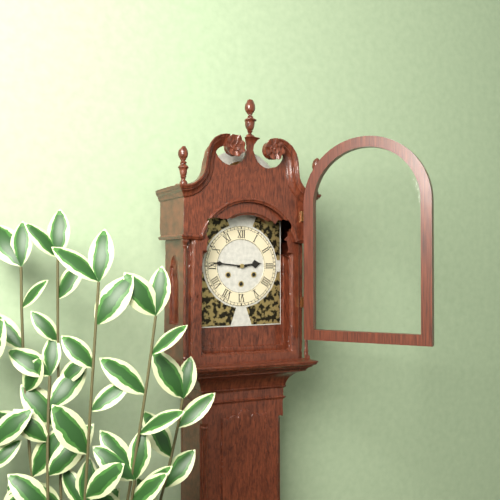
2:46
